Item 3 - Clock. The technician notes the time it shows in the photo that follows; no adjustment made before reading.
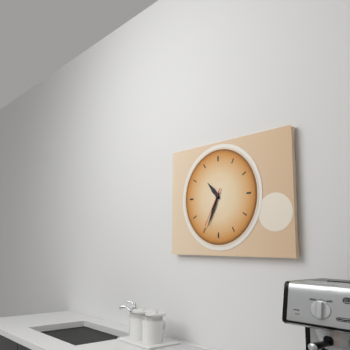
10:34
